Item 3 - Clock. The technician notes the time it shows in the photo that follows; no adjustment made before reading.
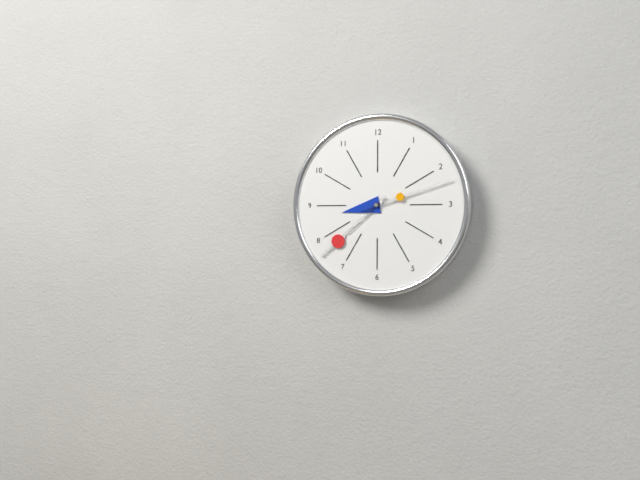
8:38:12
